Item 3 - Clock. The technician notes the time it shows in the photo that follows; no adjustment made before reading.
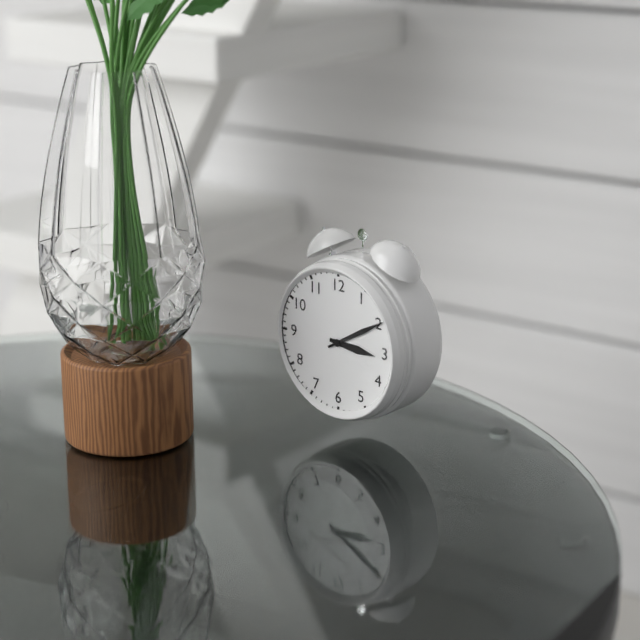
3:10
